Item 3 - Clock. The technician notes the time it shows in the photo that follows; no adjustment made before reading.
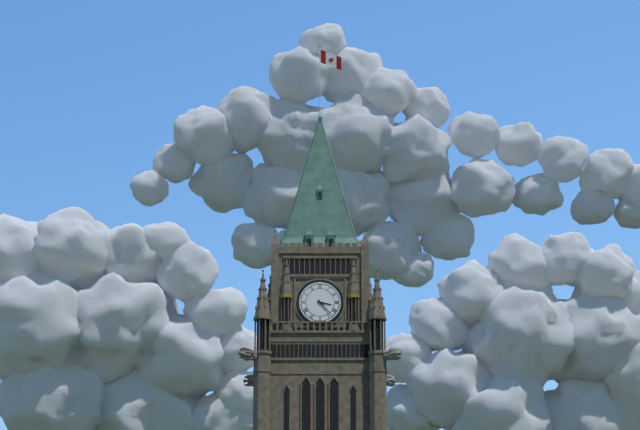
3:23
